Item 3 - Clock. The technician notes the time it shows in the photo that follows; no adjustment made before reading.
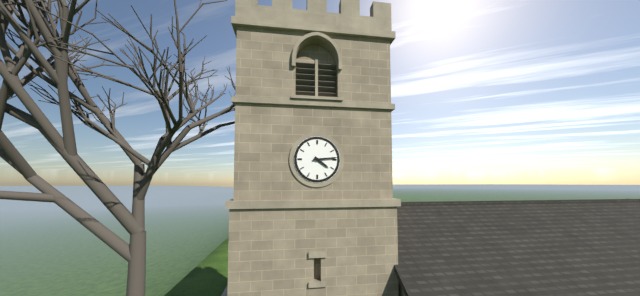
4:14
